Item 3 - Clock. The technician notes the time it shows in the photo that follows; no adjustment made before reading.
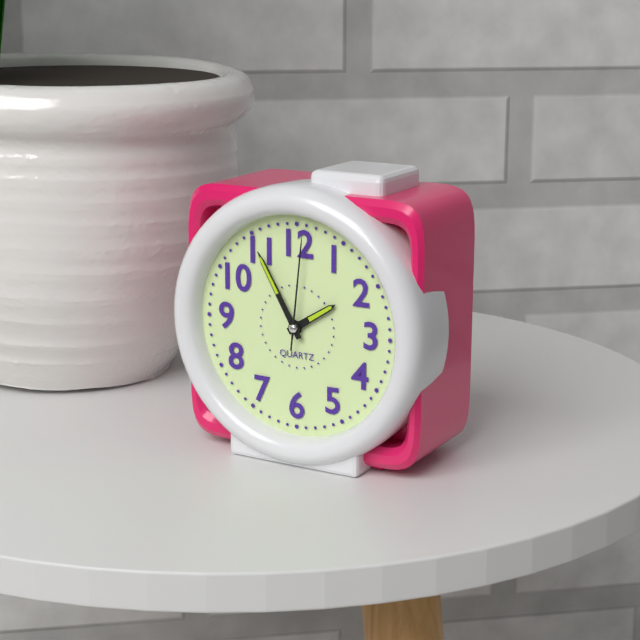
1:55:01
